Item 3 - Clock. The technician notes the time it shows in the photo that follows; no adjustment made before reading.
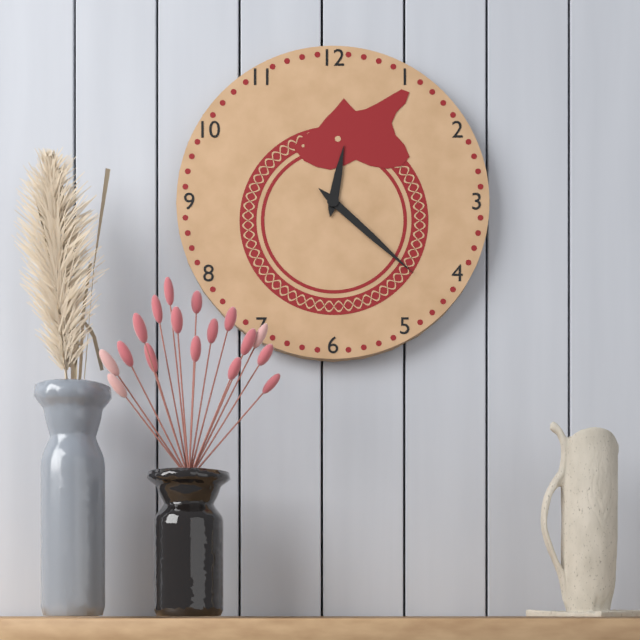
12:22
